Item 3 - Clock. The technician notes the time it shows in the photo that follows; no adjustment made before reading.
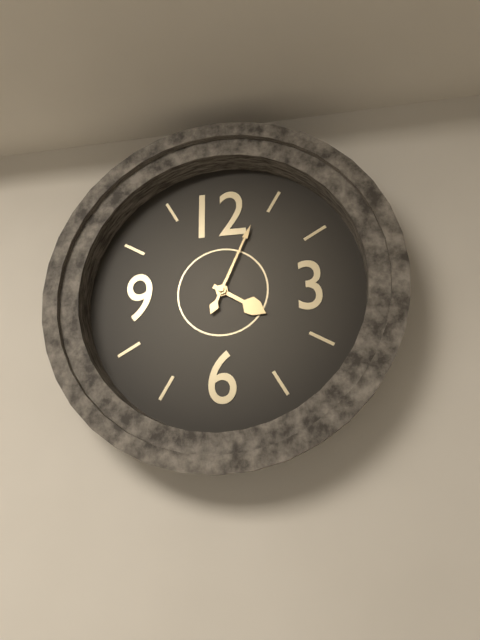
4:04
